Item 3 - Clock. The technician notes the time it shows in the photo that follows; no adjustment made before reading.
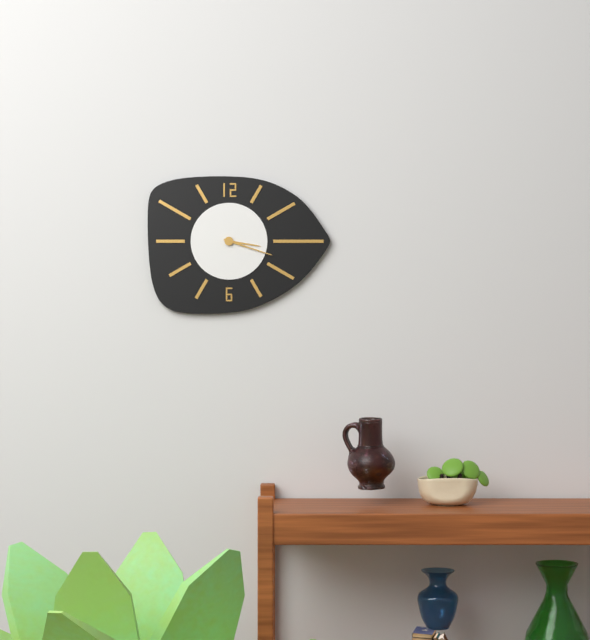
3:18
